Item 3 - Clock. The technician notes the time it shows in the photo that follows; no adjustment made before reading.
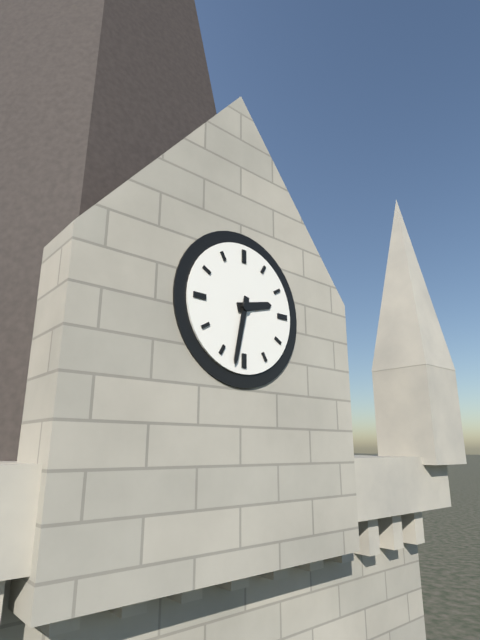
2:32
